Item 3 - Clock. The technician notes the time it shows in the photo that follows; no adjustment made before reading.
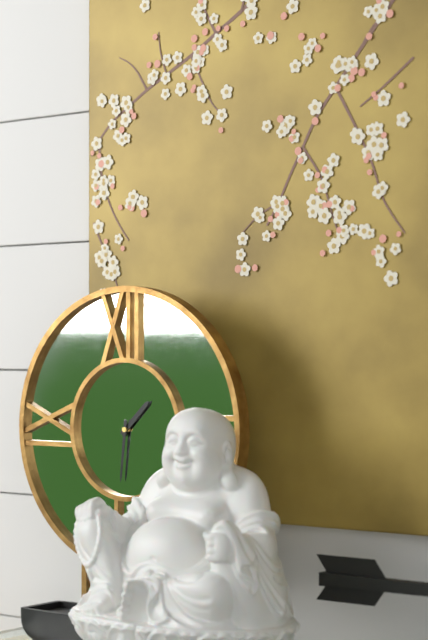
1:31
